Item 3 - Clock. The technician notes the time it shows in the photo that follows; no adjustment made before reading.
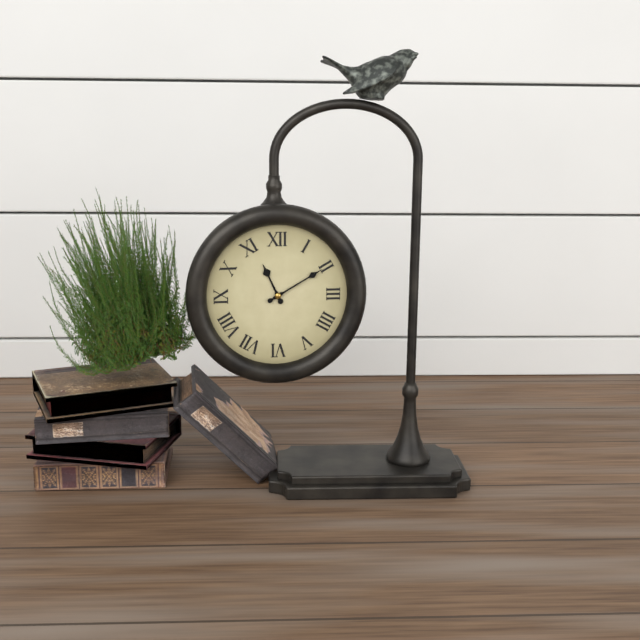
11:10
